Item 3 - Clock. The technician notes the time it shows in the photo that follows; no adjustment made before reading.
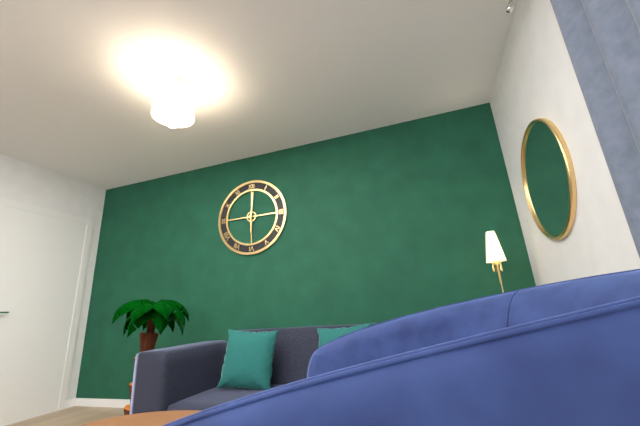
6:01
